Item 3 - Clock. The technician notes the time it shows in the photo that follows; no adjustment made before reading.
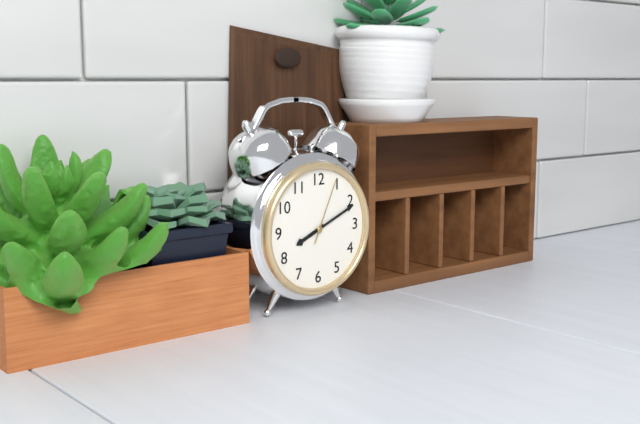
8:11:04
